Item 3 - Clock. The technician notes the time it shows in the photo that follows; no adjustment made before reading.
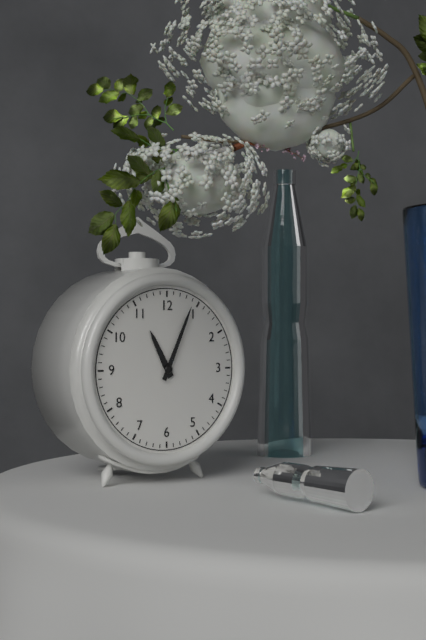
11:04
